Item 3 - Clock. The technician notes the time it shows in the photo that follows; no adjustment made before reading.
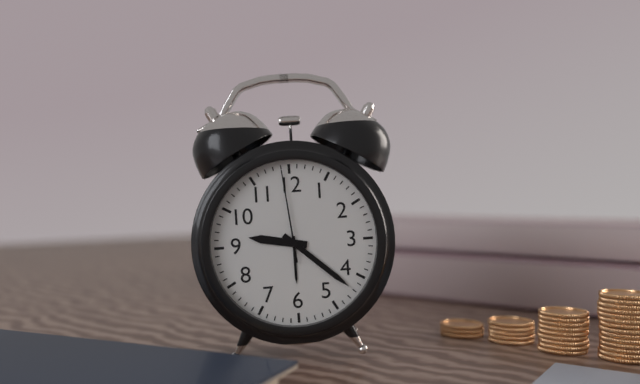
9:22:59
